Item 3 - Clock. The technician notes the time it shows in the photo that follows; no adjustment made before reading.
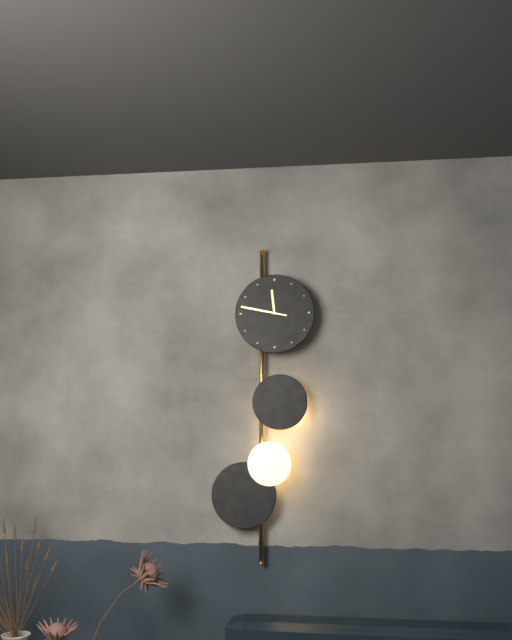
11:47
